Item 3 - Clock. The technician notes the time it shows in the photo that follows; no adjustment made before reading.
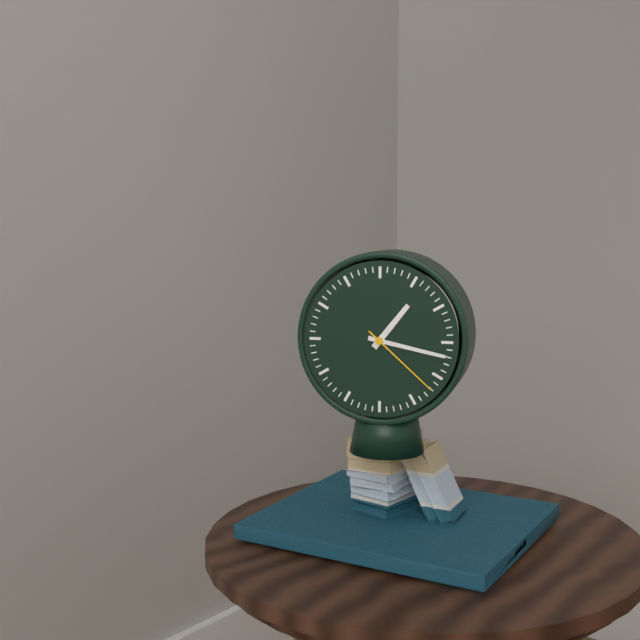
1:17:22
